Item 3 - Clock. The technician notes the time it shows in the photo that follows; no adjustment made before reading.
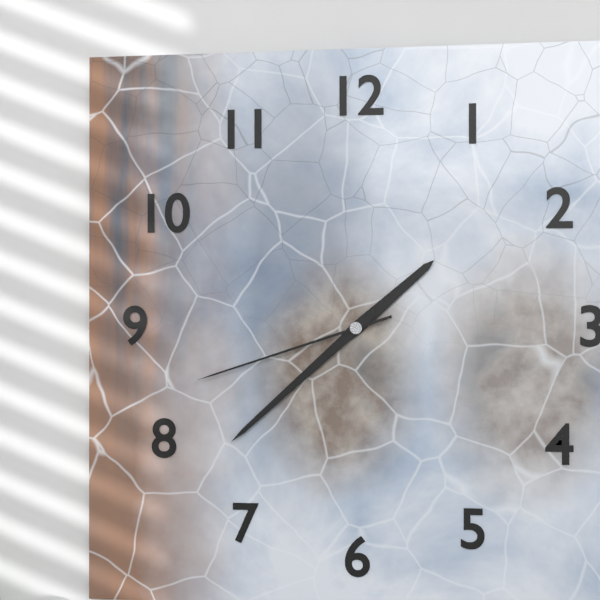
1:38:42
